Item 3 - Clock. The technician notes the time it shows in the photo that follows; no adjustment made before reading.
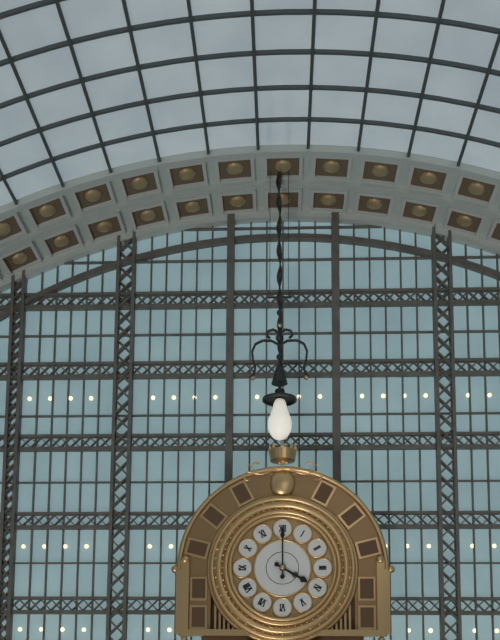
4:00
